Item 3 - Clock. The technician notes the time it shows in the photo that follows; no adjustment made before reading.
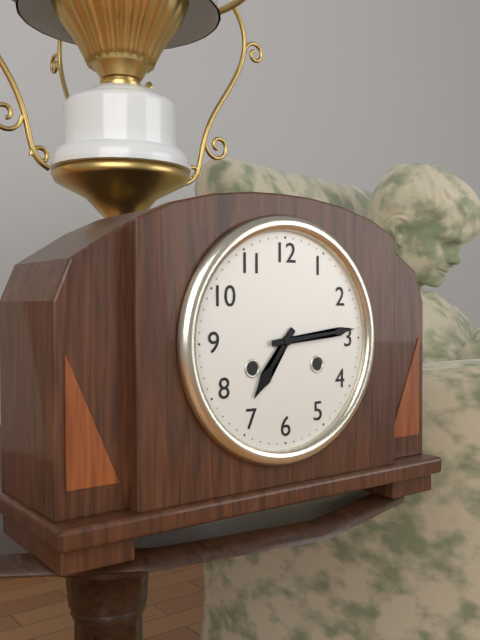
7:14
